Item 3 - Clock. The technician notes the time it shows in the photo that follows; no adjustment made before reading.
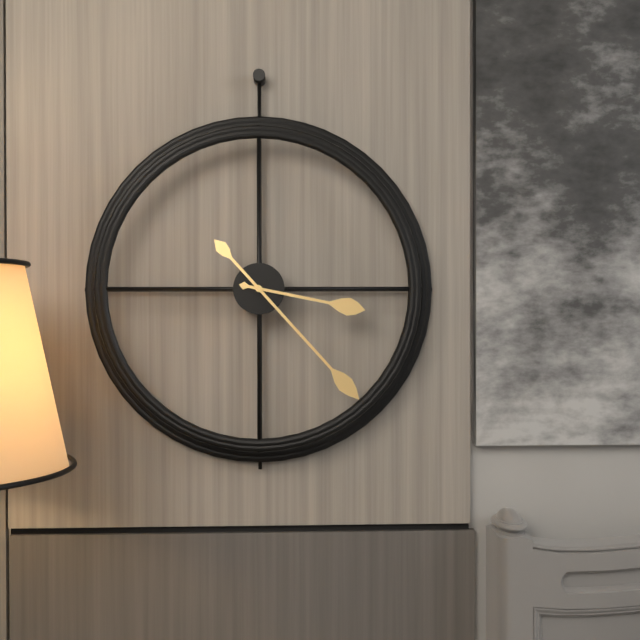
3:23
